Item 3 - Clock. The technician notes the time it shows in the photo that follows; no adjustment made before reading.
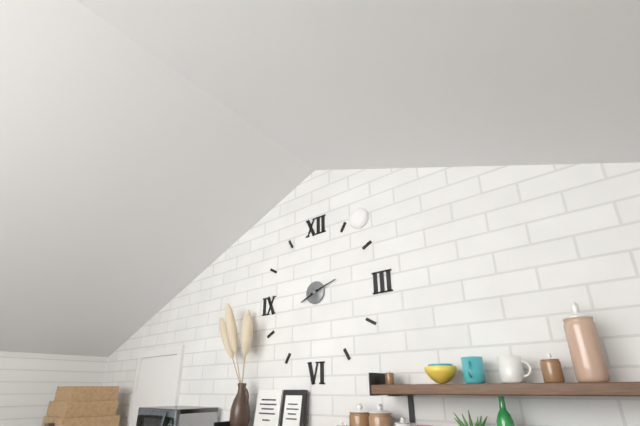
8:12
